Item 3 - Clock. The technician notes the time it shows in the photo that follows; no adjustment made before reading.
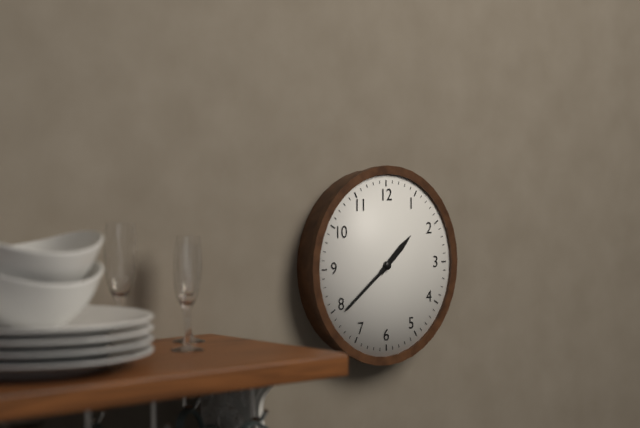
1:39
